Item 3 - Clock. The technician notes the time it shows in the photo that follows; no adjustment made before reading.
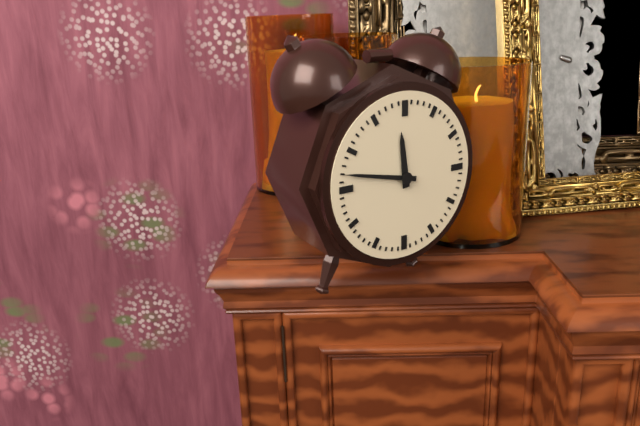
11:47
